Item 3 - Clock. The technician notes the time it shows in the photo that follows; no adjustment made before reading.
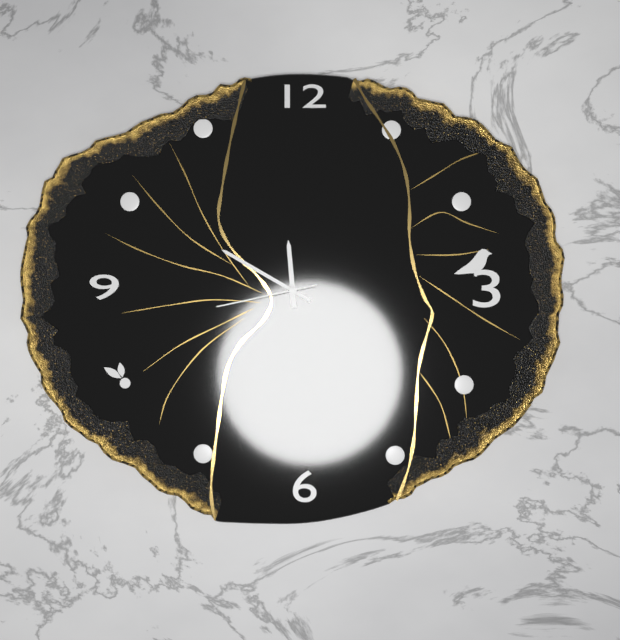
11:50:43
